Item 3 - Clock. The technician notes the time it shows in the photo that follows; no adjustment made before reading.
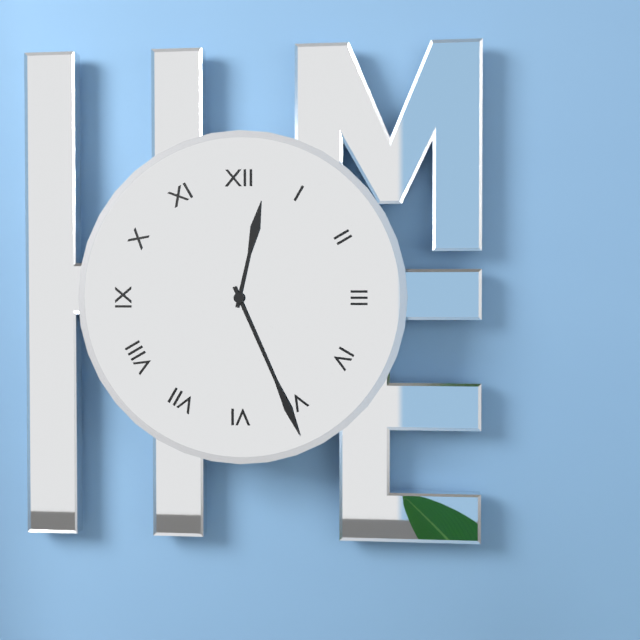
12:26
